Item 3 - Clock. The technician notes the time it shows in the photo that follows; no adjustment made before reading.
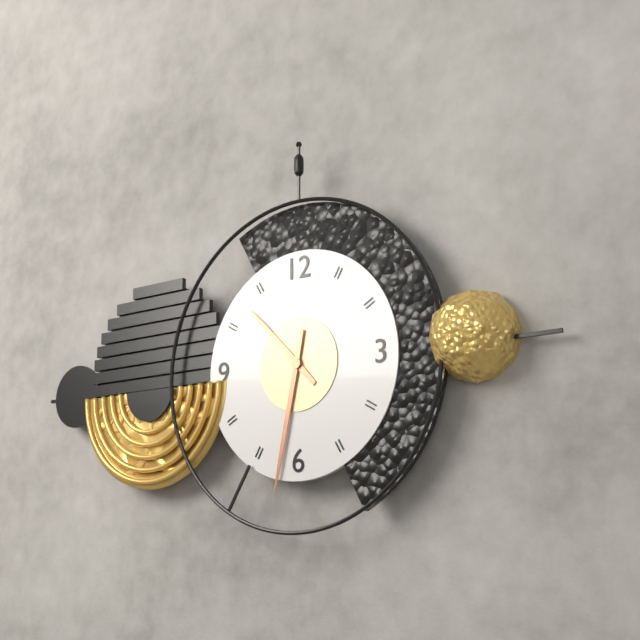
10:32
